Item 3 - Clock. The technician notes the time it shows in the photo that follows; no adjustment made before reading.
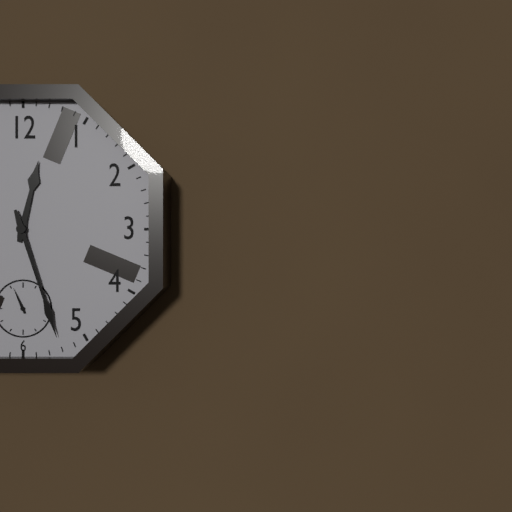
12:27
